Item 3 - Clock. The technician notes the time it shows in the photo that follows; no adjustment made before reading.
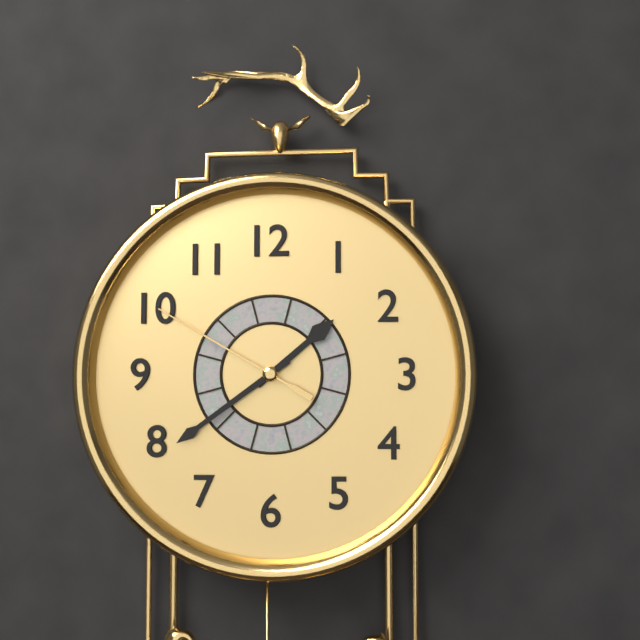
1:39:50
